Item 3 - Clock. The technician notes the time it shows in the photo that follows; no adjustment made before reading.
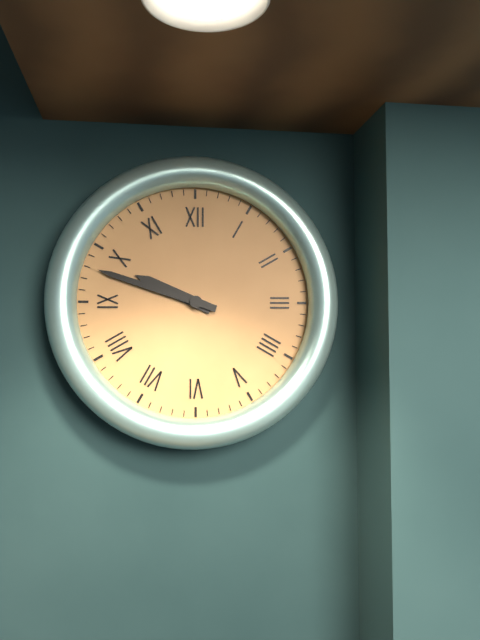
9:48
